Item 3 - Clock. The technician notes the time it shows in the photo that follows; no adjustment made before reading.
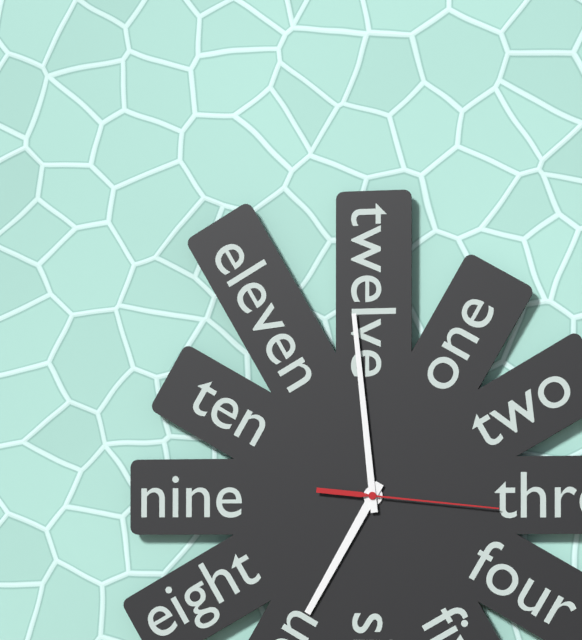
6:59:16
